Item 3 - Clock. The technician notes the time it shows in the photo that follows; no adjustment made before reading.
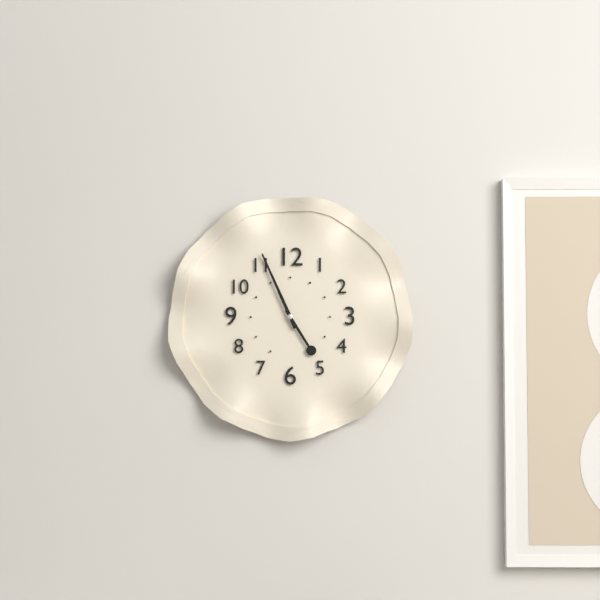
4:56
